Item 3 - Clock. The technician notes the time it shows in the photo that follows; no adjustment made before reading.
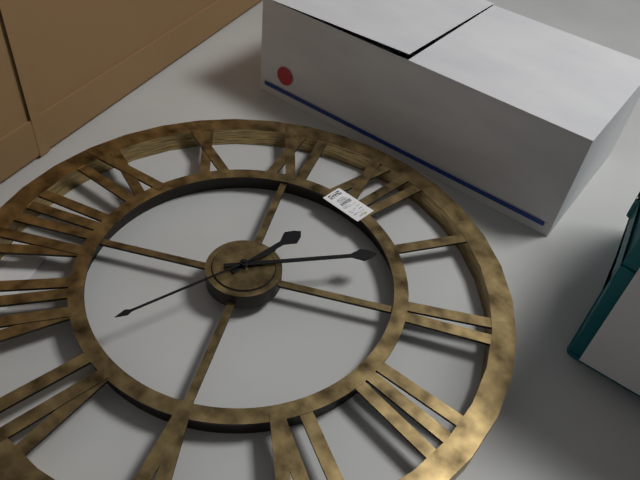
12:06:32
